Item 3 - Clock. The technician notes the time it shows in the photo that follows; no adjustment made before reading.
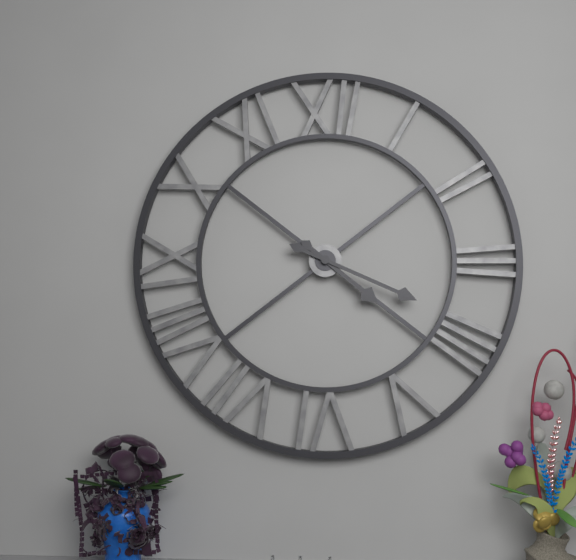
4:19
